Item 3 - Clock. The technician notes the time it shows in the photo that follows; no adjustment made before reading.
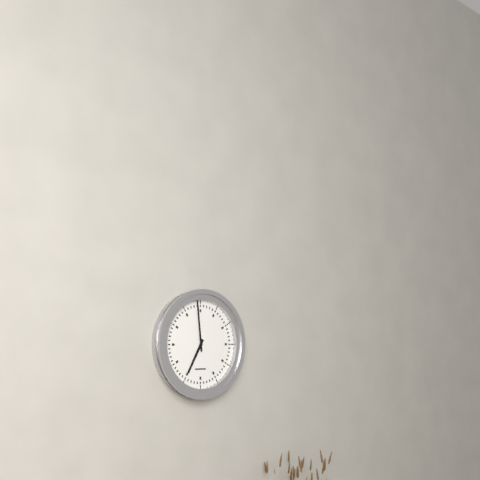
6:59
